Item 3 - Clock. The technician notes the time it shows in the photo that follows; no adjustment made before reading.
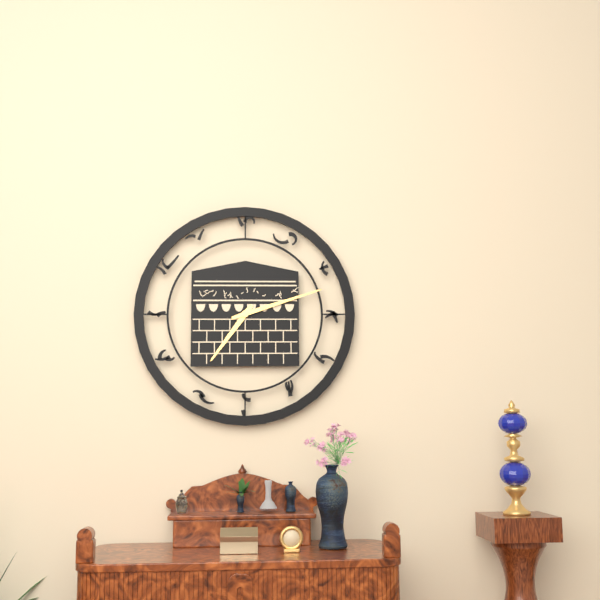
7:12
